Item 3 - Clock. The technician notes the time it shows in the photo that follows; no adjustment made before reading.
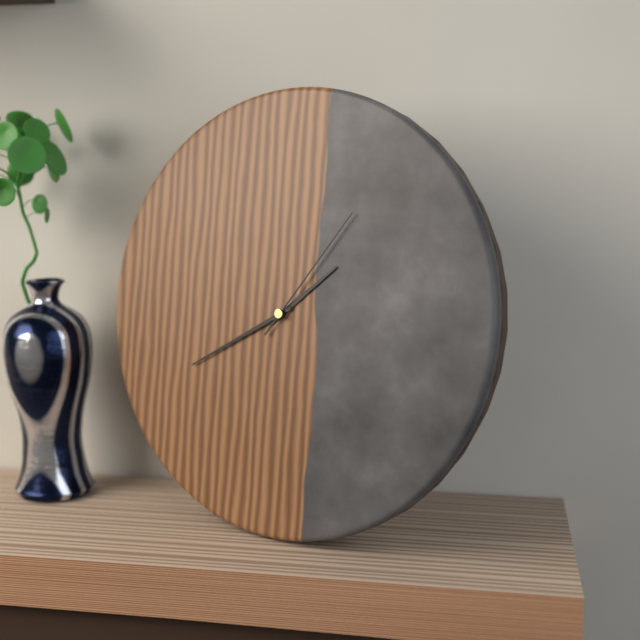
1:40:06
